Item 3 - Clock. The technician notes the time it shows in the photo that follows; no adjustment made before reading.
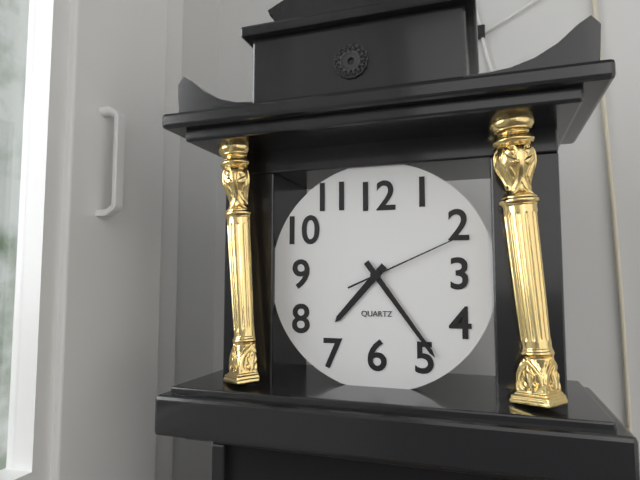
7:24:11
